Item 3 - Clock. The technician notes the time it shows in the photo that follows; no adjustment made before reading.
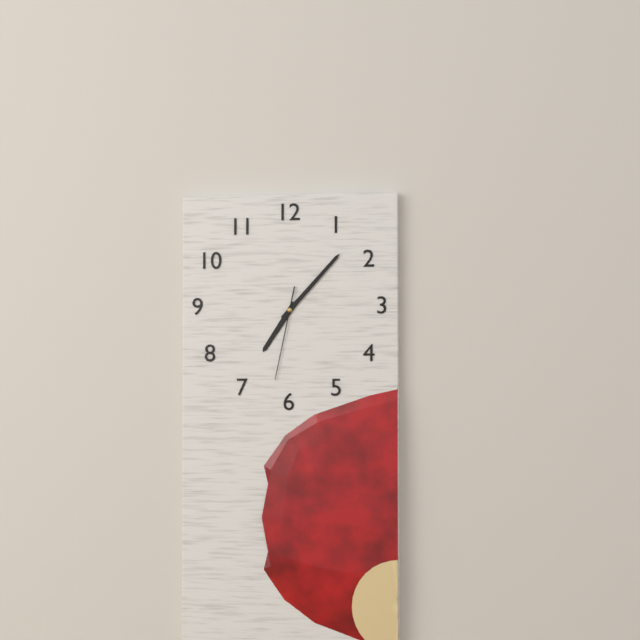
7:07:32
